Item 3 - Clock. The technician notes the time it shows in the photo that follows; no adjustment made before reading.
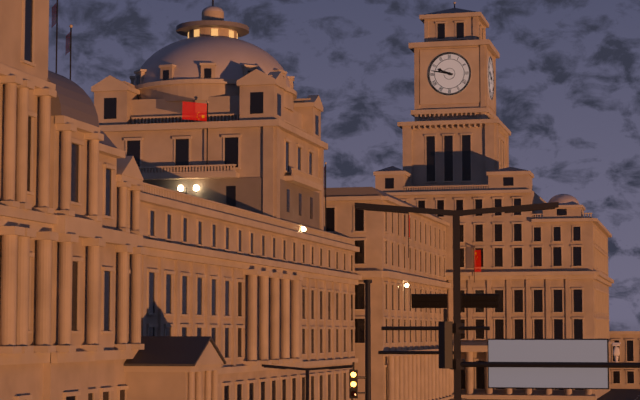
9:47
